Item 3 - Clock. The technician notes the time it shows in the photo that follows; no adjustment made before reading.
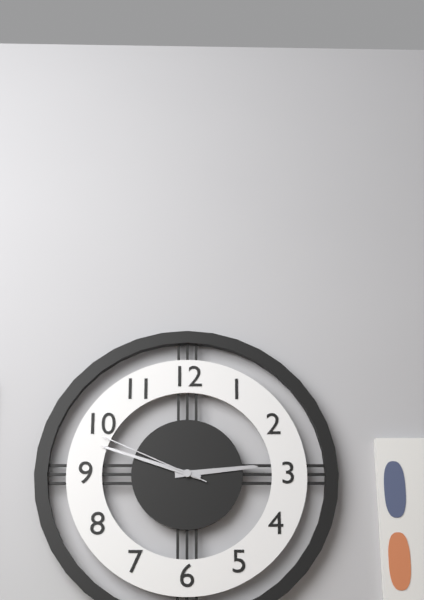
2:48:49
